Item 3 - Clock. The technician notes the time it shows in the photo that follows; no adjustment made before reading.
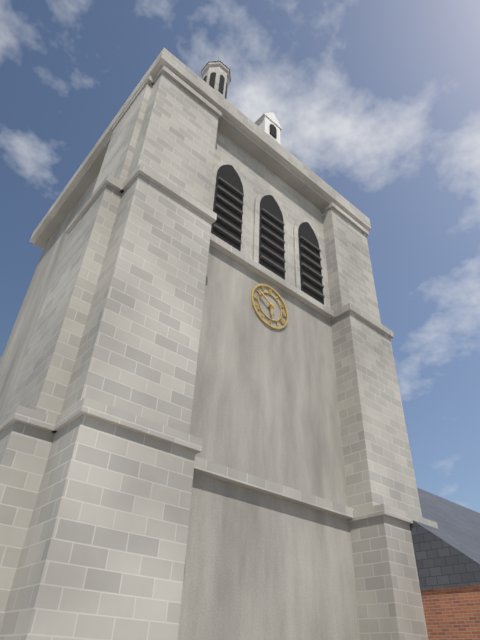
5:50
